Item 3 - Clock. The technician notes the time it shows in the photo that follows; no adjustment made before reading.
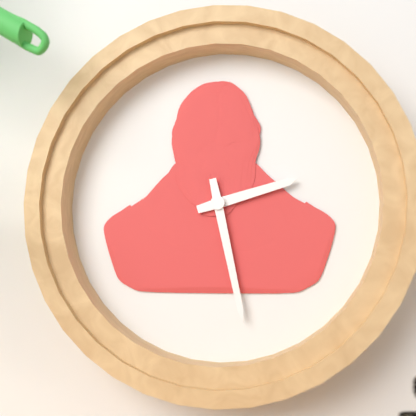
2:28
